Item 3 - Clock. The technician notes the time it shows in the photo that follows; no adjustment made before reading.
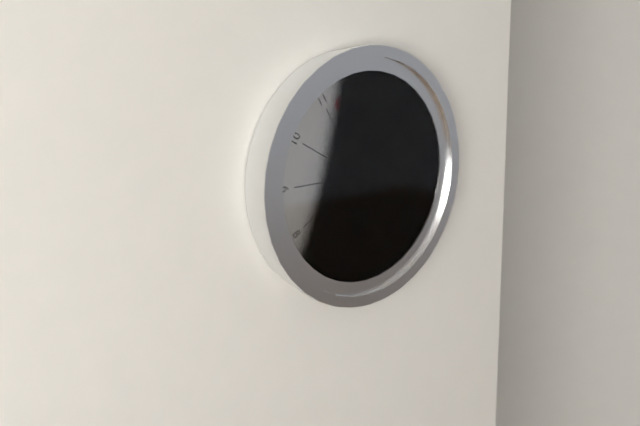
4:01:57
